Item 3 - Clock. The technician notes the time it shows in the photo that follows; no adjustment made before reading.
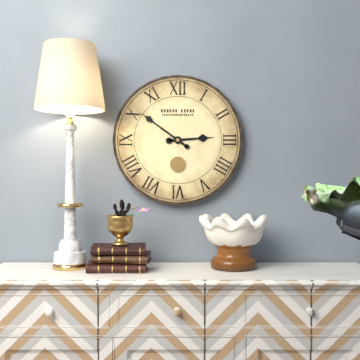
2:51
